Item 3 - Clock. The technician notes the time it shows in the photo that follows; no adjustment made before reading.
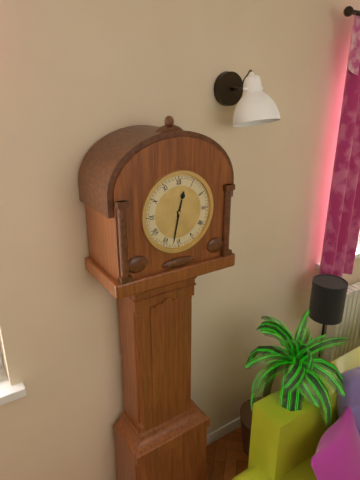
12:32
